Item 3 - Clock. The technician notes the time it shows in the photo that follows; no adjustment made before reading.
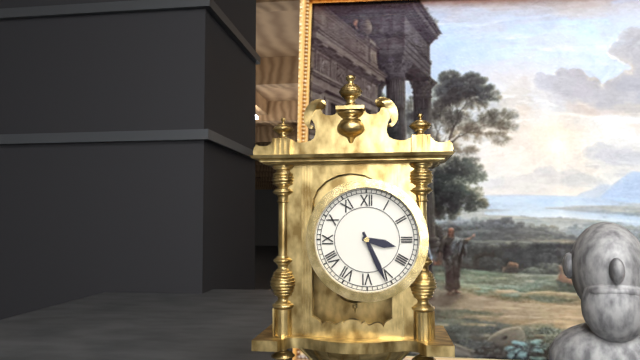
3:26
